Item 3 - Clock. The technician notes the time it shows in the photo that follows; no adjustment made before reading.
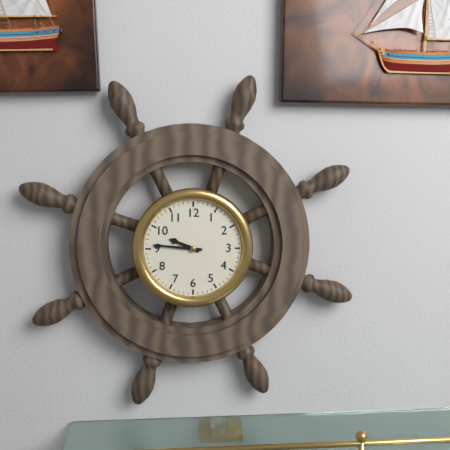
9:46
